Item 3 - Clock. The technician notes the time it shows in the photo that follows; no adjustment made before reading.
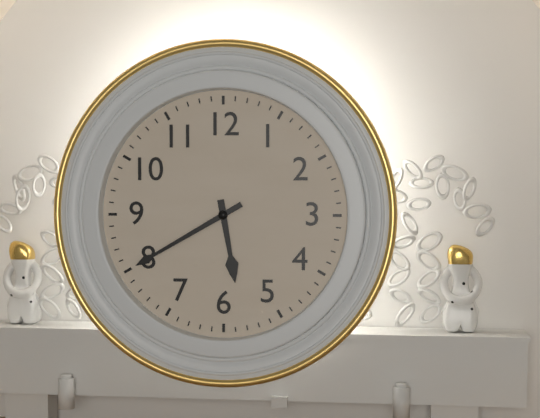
5:40
